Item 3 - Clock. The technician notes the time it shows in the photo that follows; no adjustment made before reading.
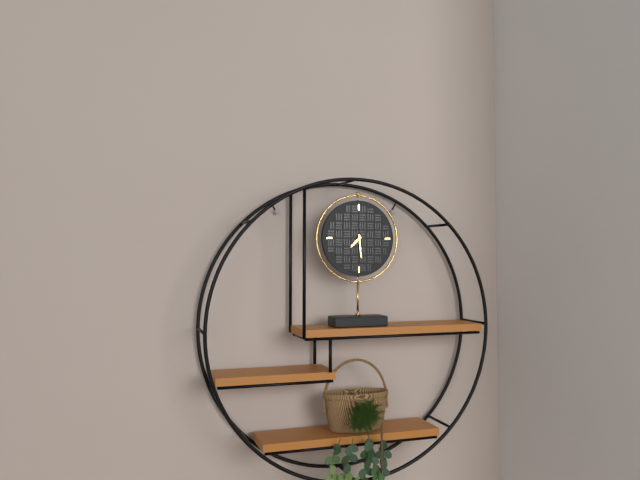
7:29
